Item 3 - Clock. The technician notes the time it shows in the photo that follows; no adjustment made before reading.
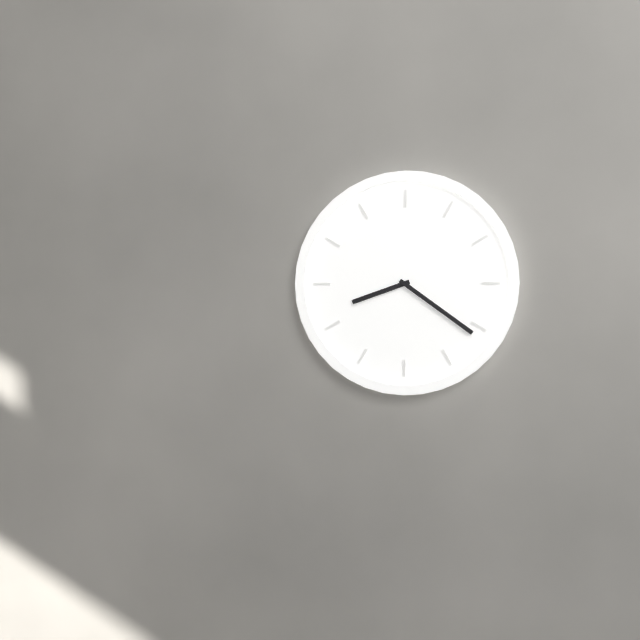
8:21
